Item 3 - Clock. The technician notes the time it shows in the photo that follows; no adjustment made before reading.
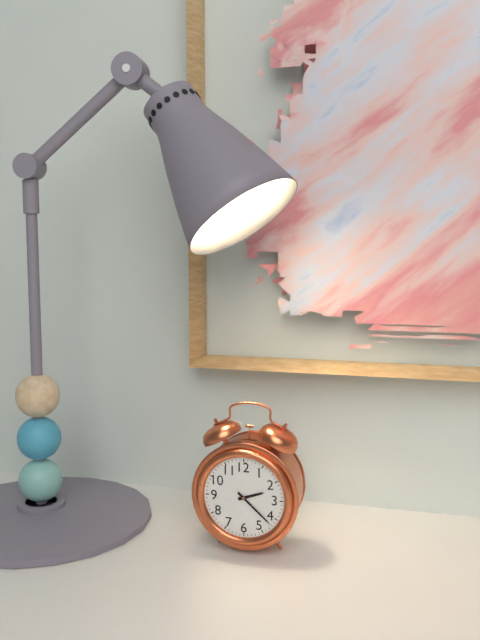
2:22
